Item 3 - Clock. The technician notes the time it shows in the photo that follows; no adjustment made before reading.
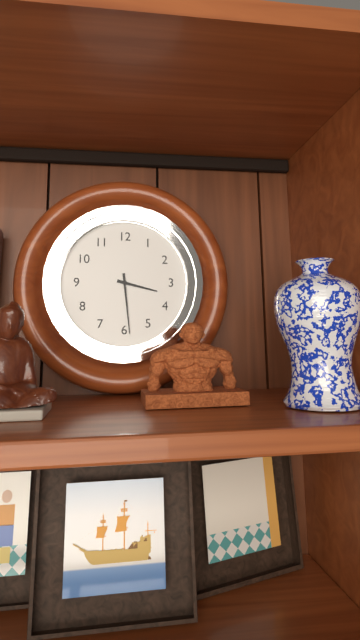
3:29
